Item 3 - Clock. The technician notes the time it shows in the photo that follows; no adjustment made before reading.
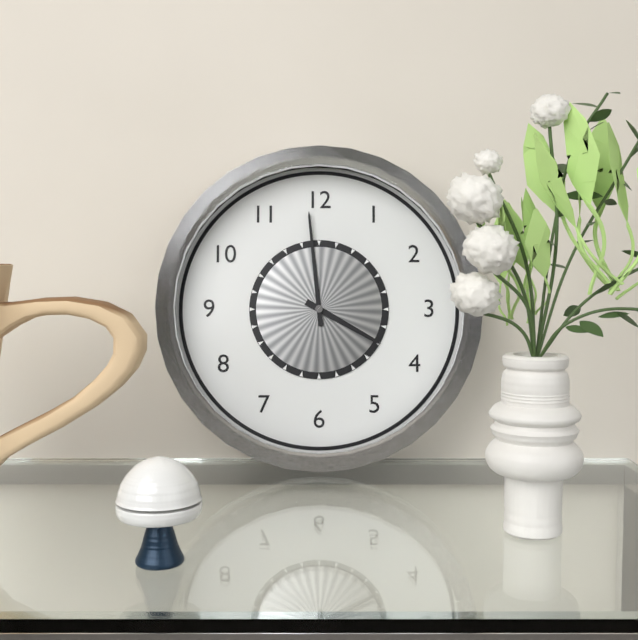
3:59
